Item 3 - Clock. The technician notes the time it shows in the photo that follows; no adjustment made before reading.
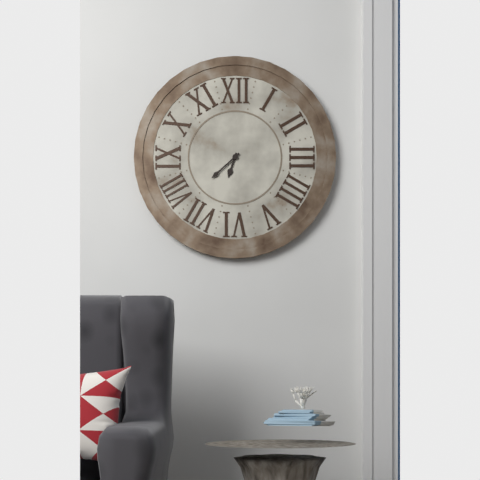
6:38
